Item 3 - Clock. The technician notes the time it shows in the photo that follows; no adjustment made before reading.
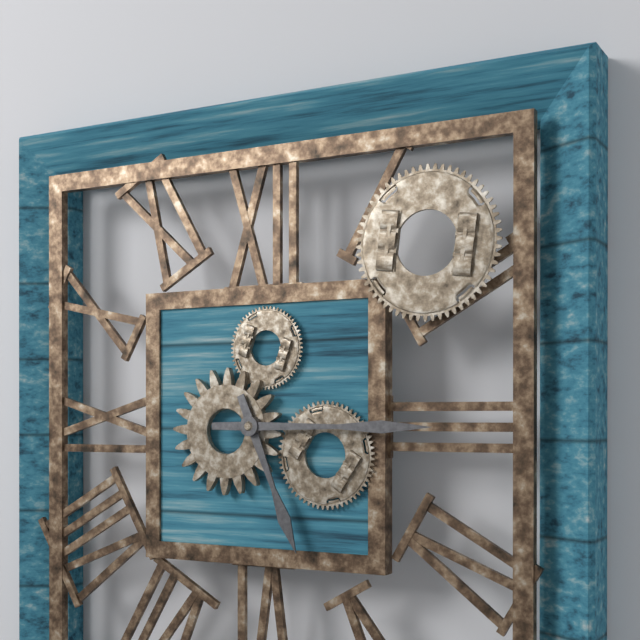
5:15
